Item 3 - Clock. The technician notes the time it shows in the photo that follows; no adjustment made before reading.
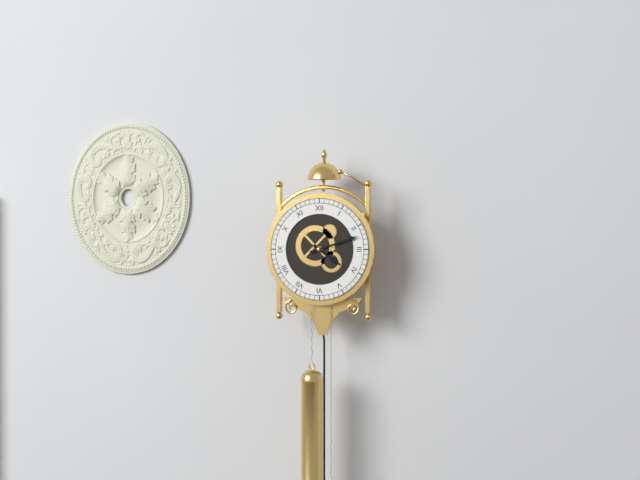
4:12
